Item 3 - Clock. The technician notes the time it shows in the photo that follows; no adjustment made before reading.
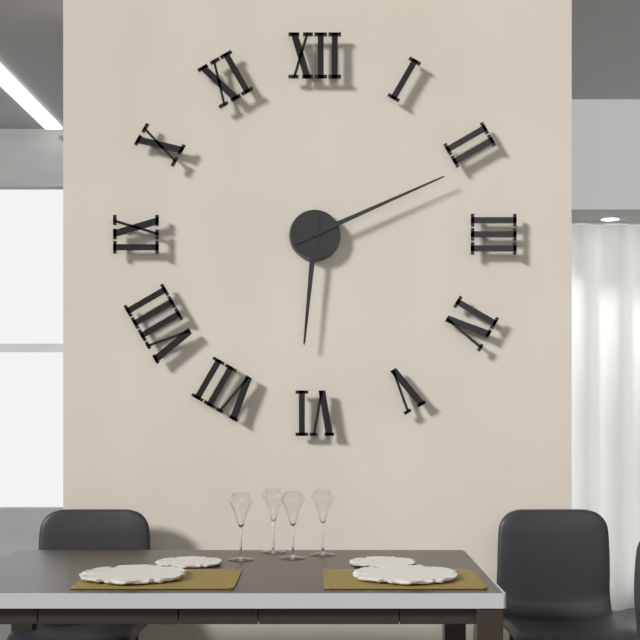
6:11
